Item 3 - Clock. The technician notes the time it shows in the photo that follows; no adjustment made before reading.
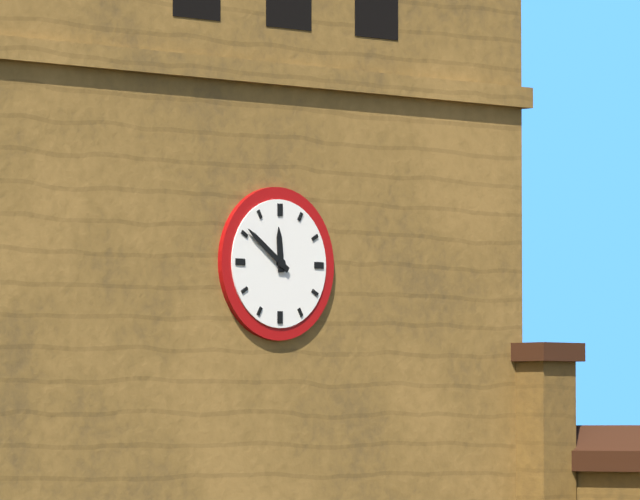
11:51
